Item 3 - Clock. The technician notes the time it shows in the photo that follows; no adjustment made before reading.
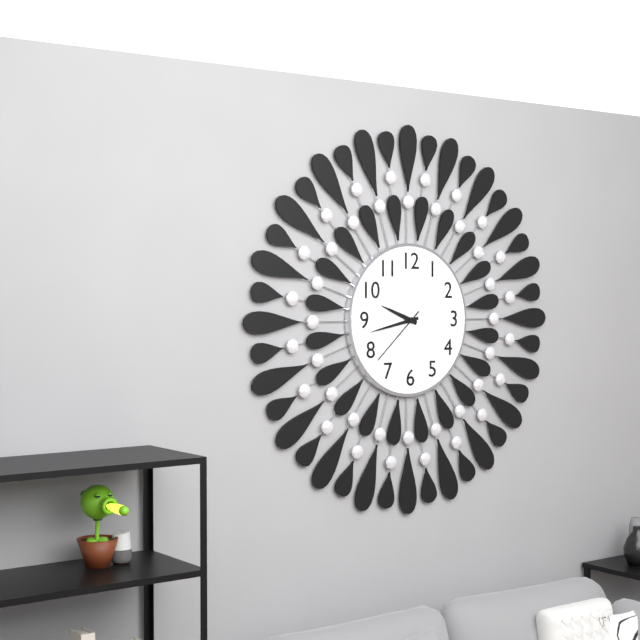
9:43:38
